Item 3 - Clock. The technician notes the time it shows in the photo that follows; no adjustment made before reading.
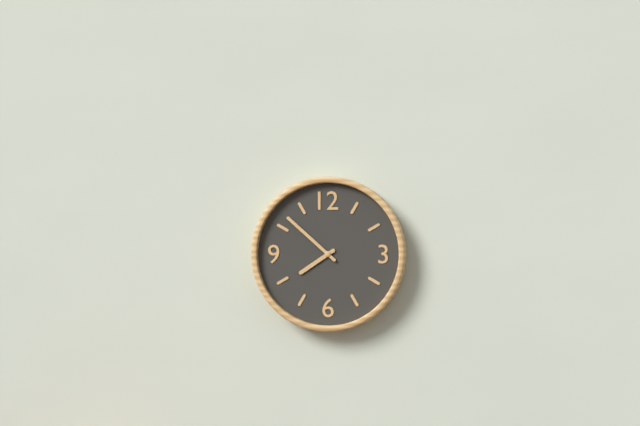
7:52
